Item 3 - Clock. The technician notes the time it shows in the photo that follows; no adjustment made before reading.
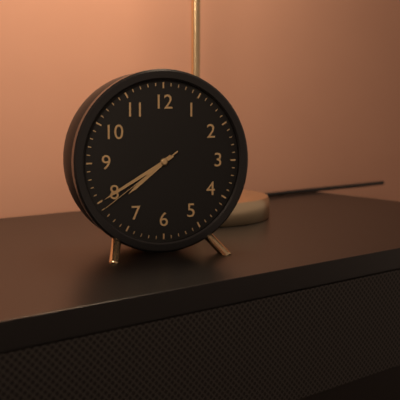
7:40:39
